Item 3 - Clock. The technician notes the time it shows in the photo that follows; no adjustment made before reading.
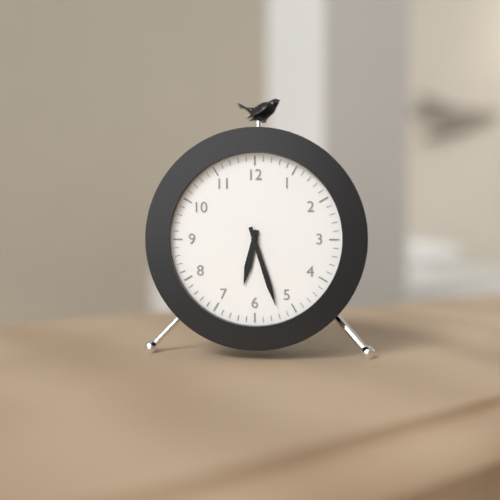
6:27
